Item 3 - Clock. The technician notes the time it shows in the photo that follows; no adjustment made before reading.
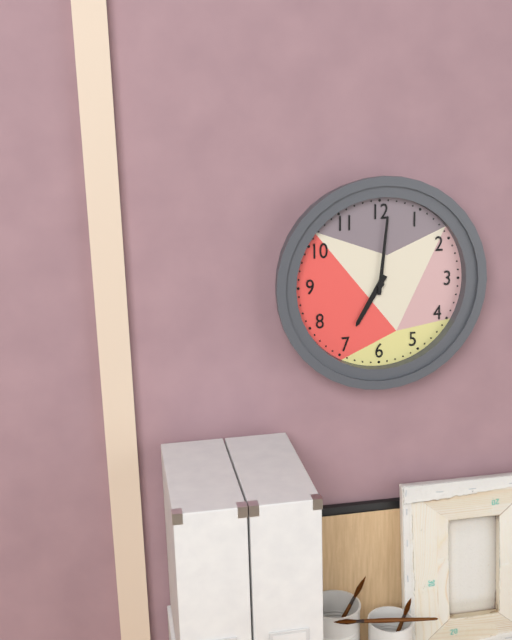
7:01
